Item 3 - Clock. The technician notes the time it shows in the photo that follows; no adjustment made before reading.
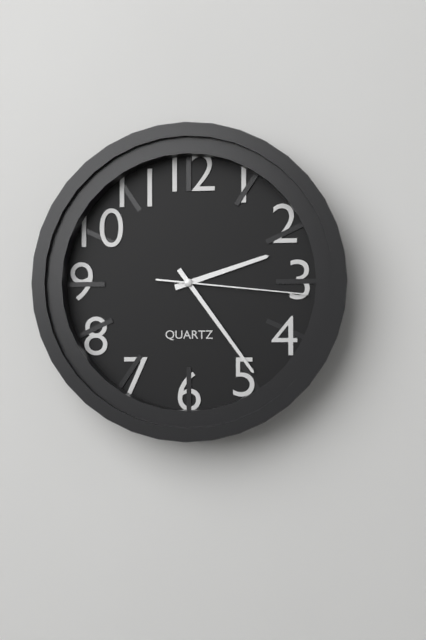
2:24:16
